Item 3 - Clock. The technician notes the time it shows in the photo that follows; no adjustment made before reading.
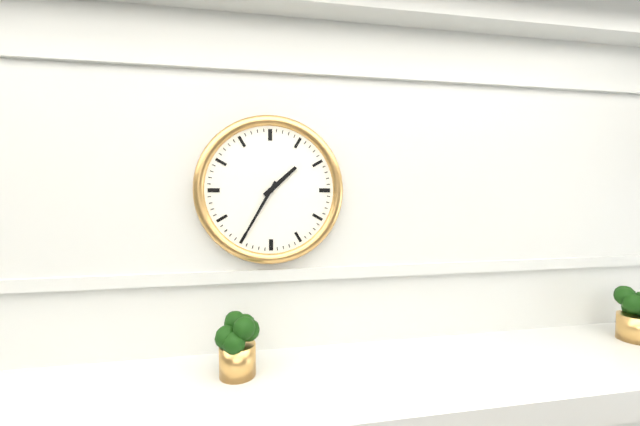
1:35
